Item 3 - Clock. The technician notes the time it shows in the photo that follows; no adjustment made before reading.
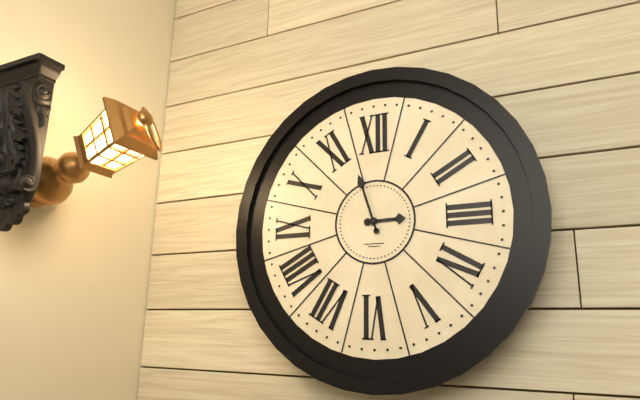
2:57
